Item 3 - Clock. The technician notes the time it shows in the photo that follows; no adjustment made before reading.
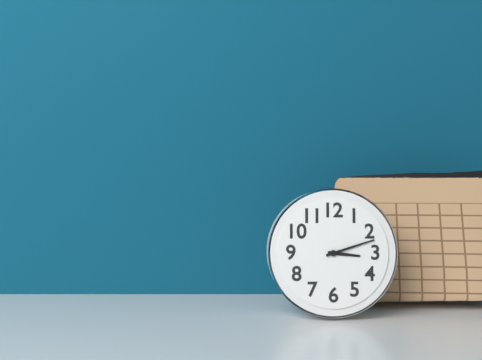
3:12
